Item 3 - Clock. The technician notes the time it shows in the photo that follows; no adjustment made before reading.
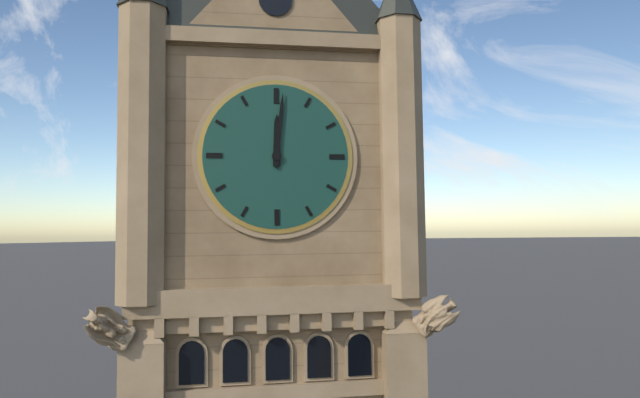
12:01
